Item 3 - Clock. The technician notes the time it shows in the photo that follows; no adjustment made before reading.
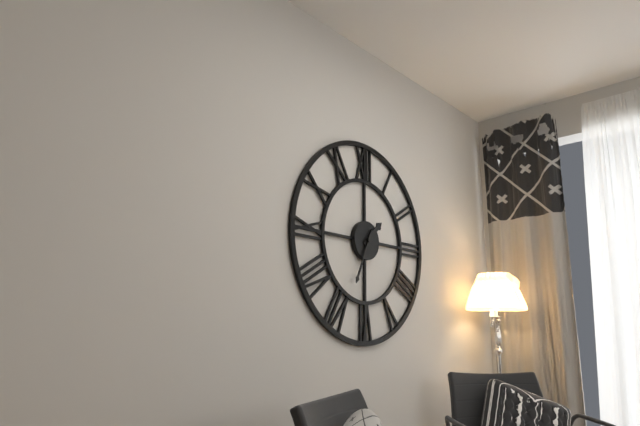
1:34
